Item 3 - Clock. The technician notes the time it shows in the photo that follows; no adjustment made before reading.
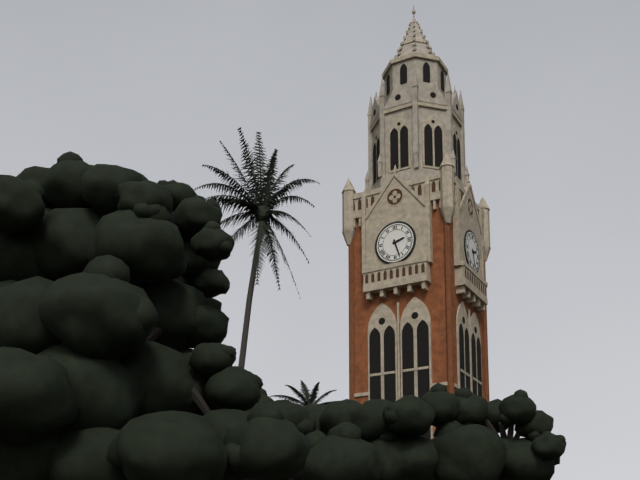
2:27
